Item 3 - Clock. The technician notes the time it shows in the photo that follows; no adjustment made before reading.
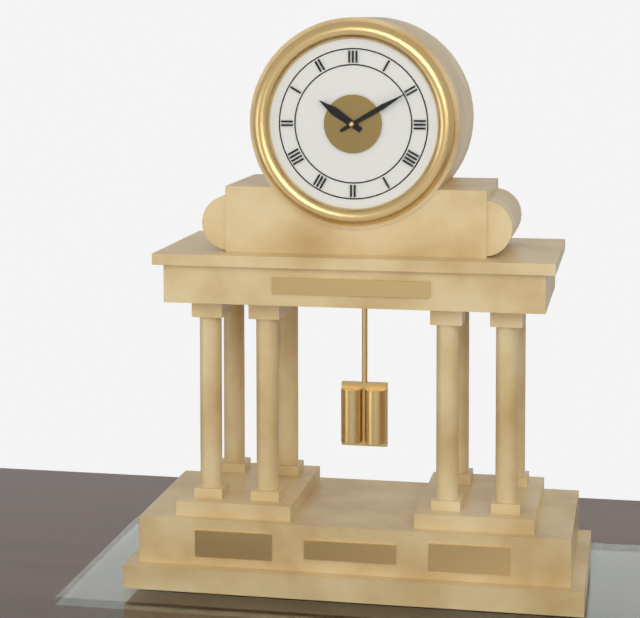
10:10
